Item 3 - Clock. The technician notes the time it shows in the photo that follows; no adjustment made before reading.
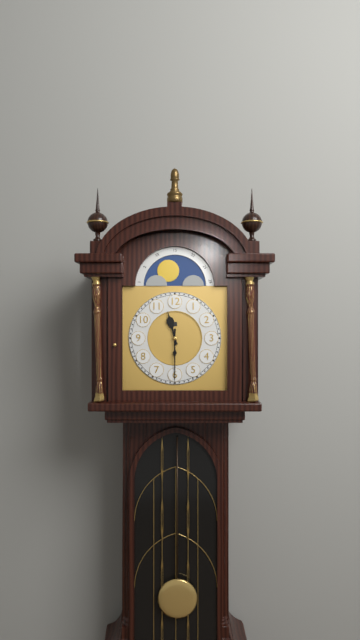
11:30
